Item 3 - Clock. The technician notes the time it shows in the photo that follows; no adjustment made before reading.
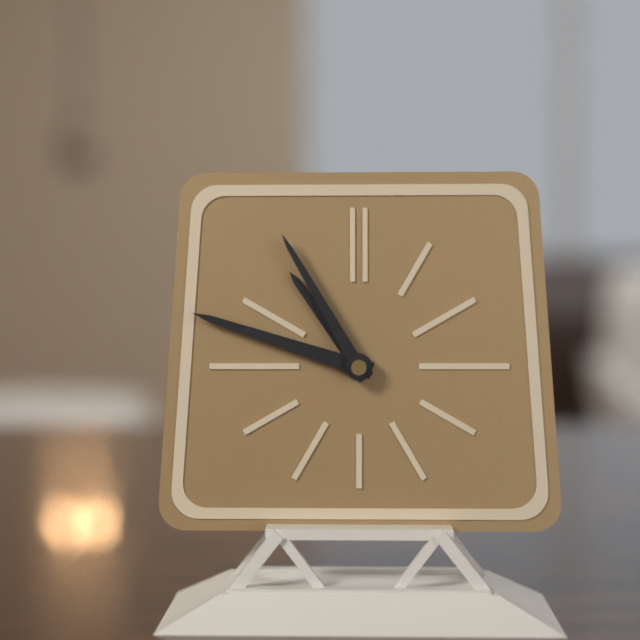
10:48:55
